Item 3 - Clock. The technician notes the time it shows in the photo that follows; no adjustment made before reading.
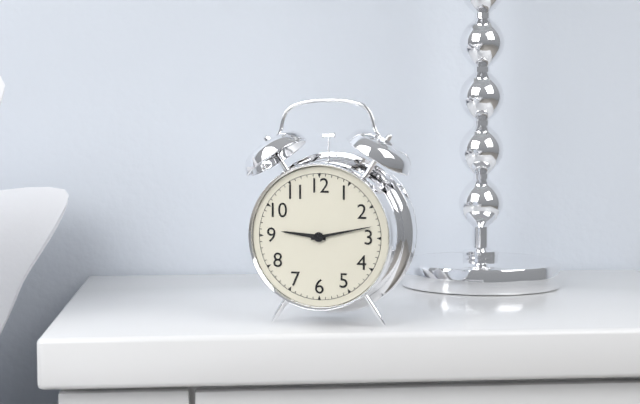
9:13
